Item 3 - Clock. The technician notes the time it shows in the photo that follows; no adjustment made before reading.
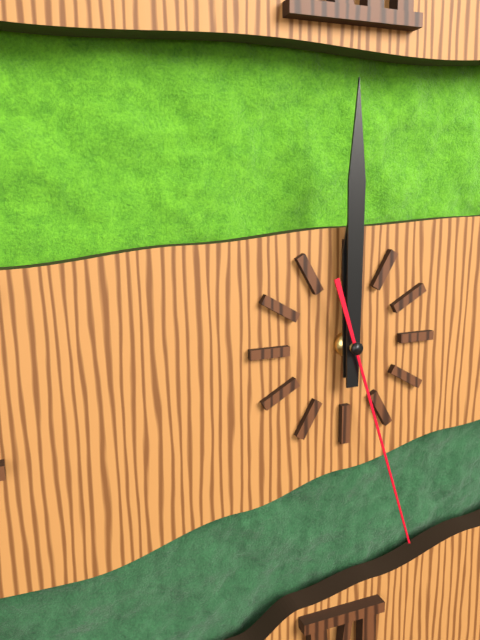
12:00:27
